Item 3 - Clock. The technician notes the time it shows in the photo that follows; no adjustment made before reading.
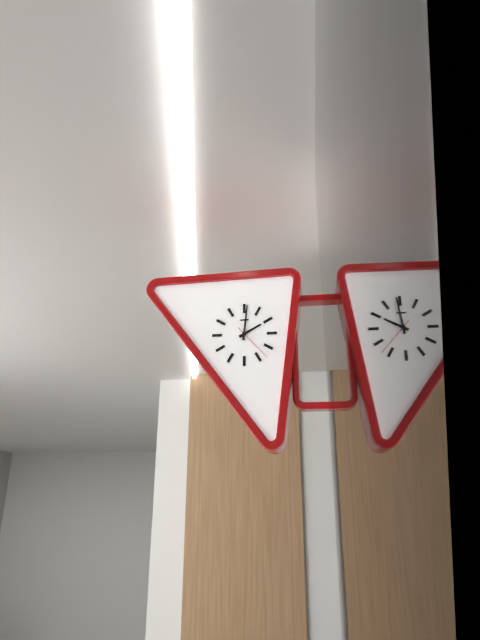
2:01
